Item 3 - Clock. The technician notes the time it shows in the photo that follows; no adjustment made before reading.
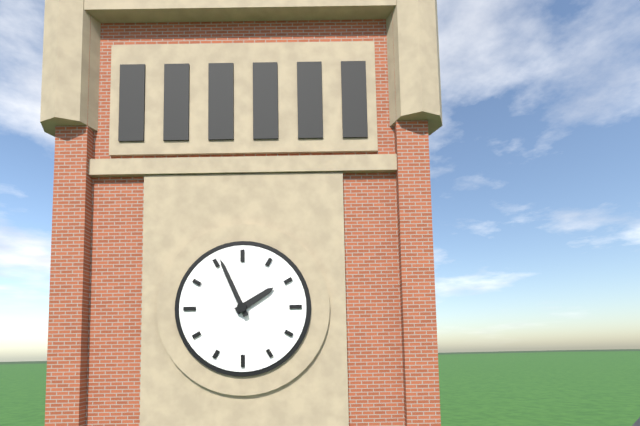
1:56
